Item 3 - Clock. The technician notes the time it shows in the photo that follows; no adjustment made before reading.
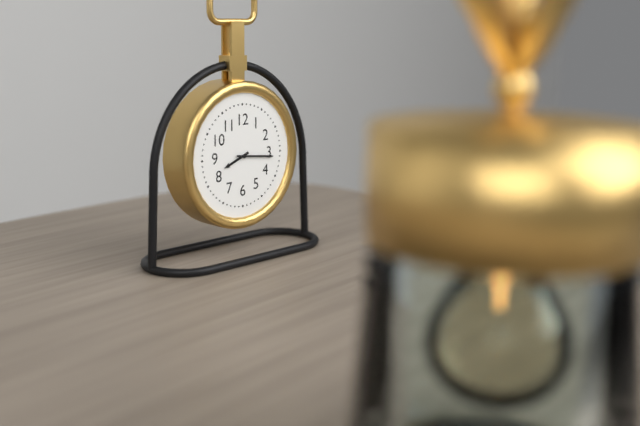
8:16
